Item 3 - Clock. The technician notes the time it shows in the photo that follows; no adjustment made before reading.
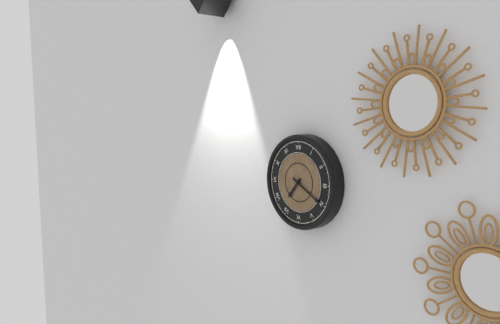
7:20
